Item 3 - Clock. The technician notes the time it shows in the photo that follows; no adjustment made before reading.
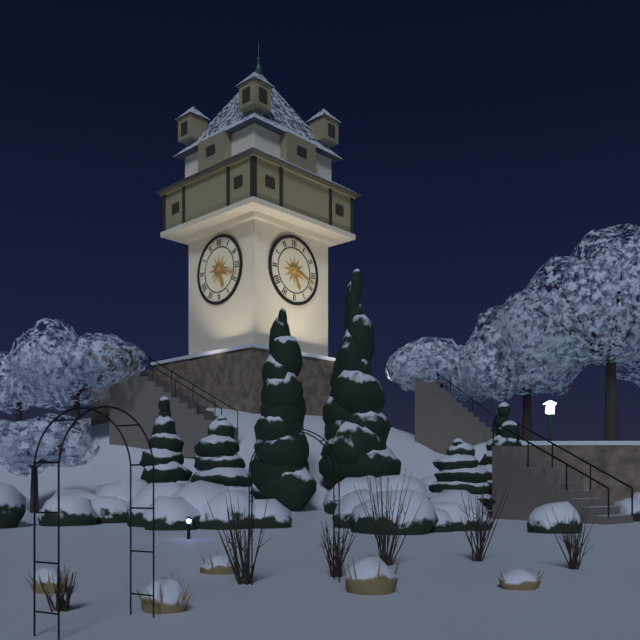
5:18
